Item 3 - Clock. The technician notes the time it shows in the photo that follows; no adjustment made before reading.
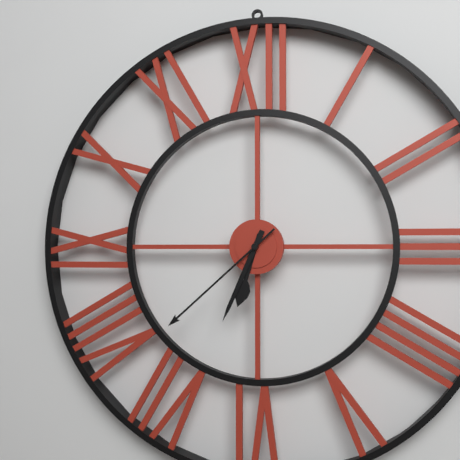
6:34:38
